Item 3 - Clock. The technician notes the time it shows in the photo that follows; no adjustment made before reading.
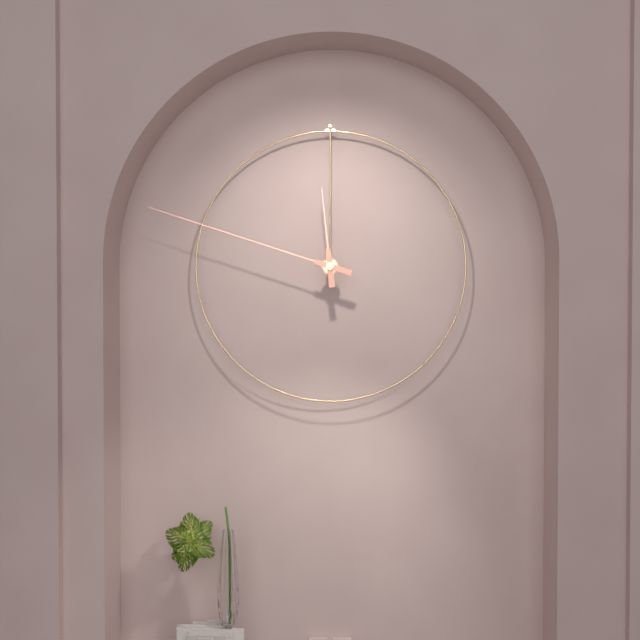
11:48
